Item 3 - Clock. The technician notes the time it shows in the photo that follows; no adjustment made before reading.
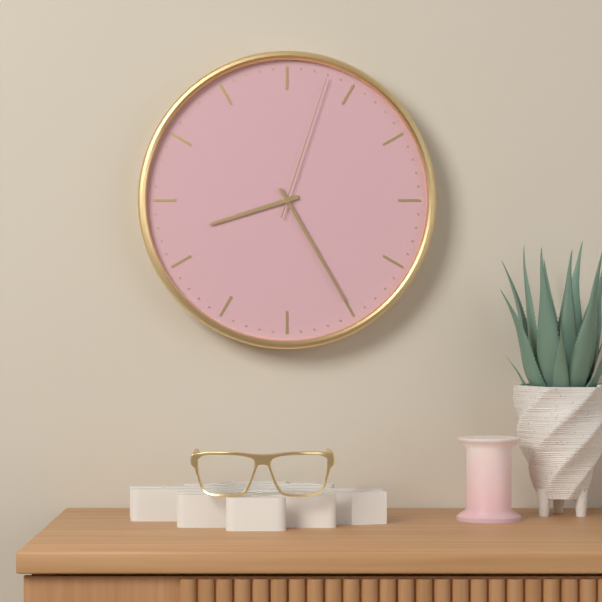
8:25:03
